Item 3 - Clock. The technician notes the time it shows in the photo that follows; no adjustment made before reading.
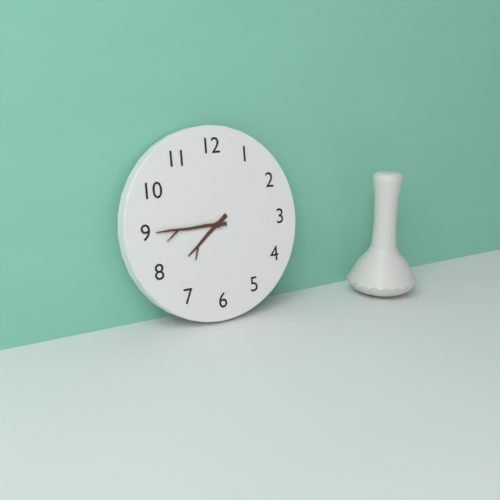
7:45
